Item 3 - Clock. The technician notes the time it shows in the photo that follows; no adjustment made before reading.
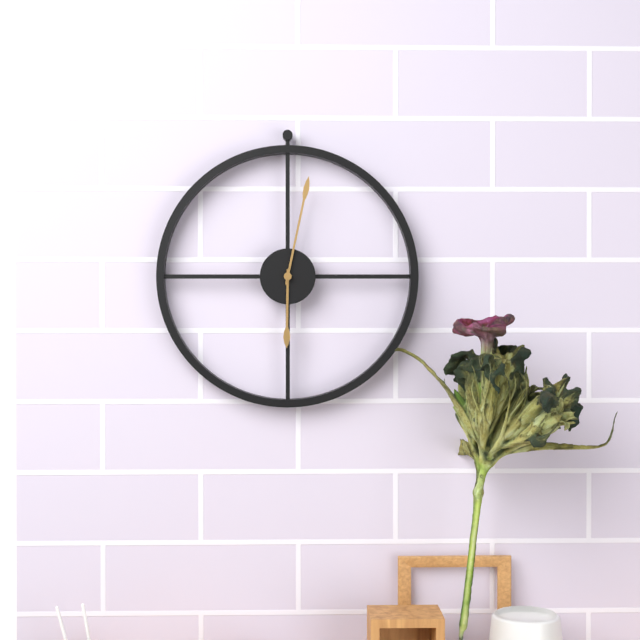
6:02
